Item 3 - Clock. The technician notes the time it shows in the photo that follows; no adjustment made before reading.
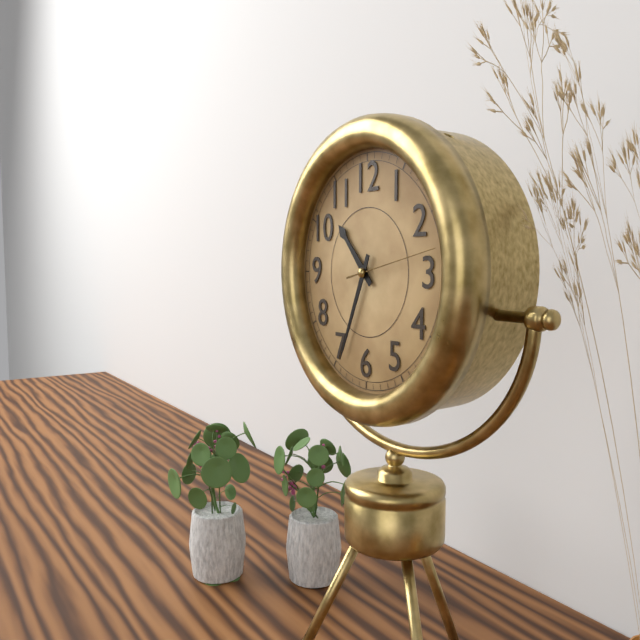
10:34:13
